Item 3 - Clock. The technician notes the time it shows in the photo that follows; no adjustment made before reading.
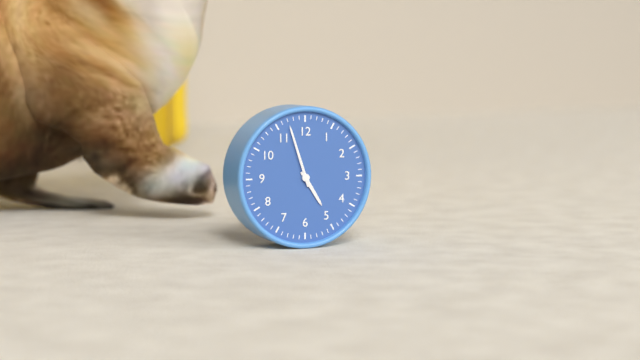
4:57
